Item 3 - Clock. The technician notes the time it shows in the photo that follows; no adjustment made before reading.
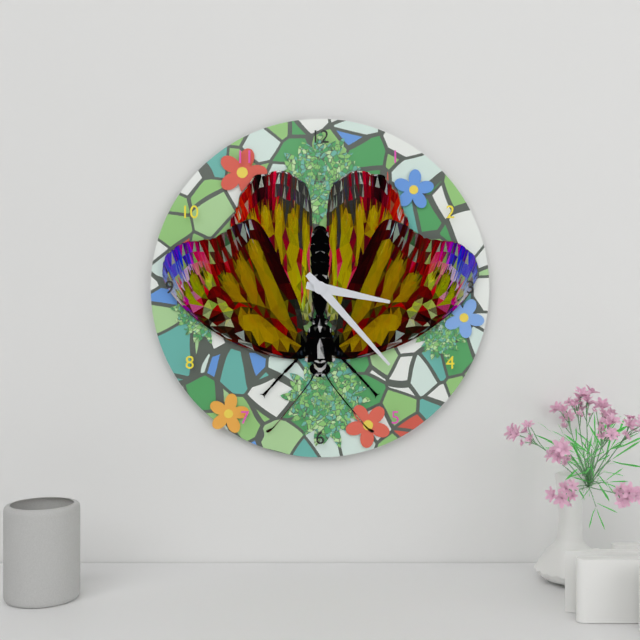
3:23
